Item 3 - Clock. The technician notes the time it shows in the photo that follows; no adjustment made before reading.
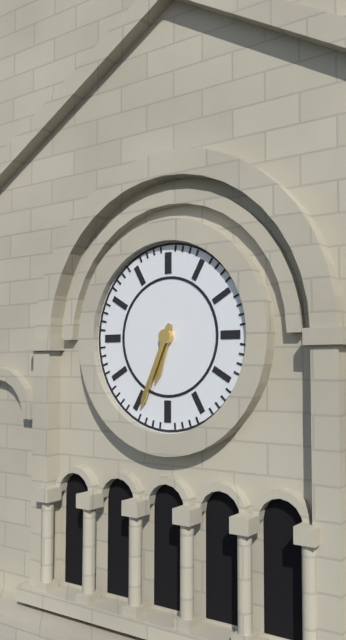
6:34
